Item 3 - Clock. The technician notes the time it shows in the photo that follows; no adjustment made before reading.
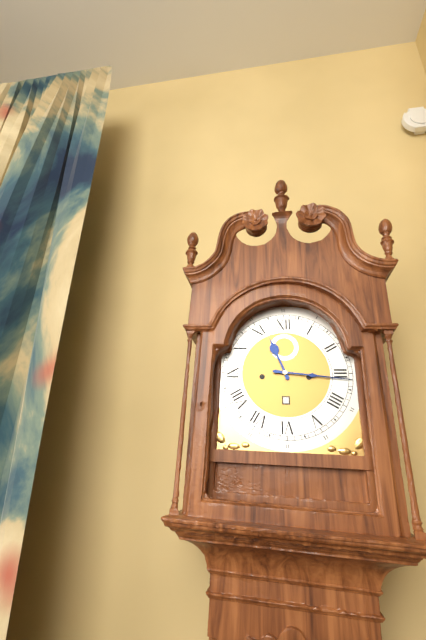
11:16
